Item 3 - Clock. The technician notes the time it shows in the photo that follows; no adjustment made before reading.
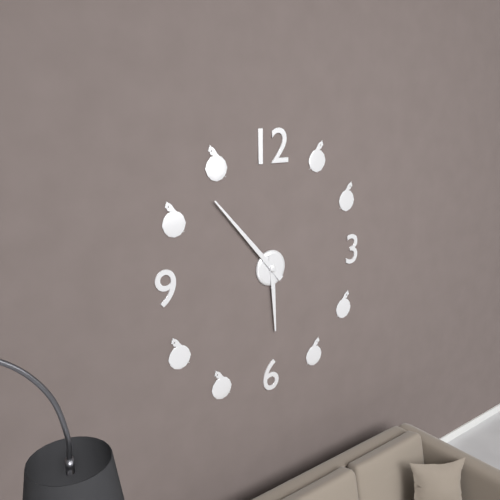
5:53
